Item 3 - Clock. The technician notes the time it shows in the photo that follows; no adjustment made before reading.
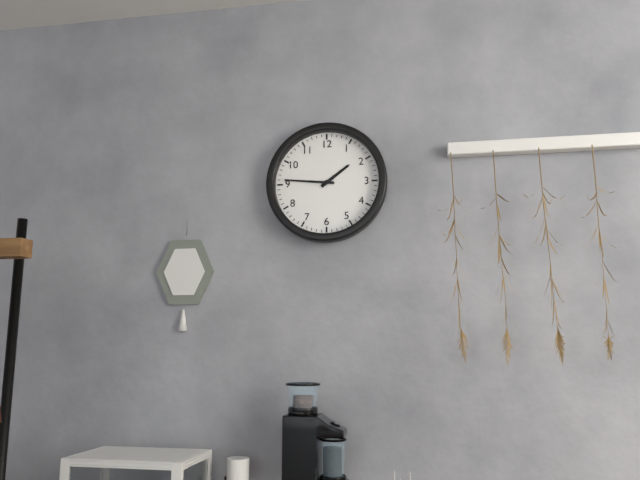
1:46
